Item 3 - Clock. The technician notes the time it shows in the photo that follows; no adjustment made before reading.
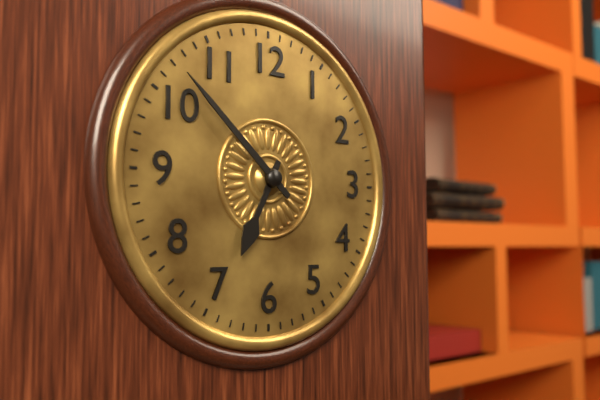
6:52
